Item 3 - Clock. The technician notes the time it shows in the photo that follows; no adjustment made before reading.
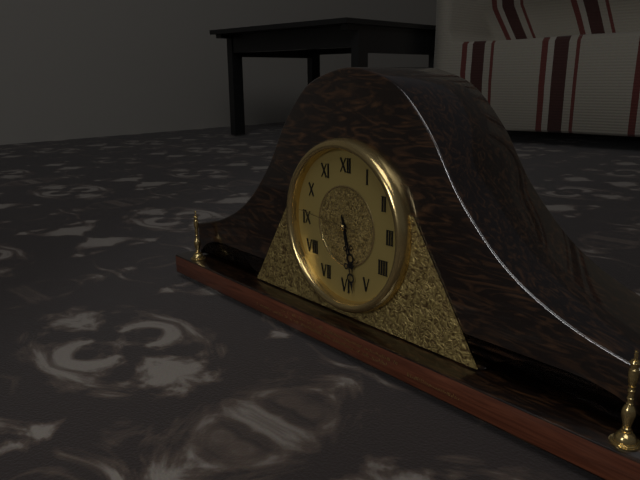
5:28:46
